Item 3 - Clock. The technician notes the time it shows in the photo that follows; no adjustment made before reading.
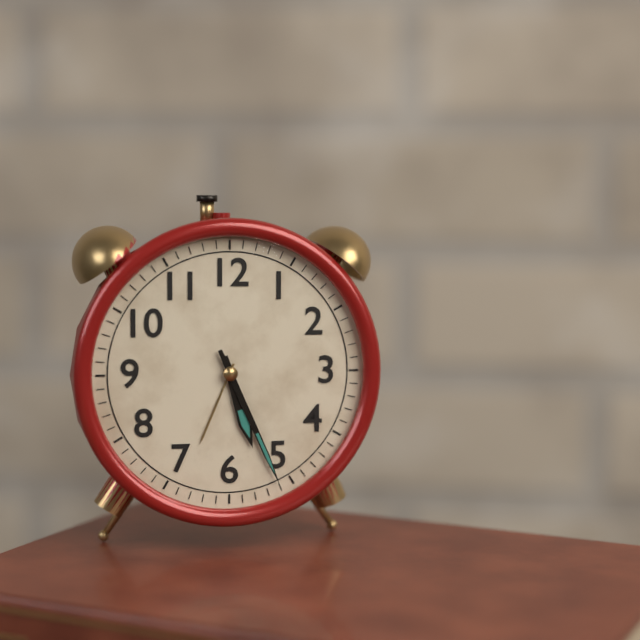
5:26
